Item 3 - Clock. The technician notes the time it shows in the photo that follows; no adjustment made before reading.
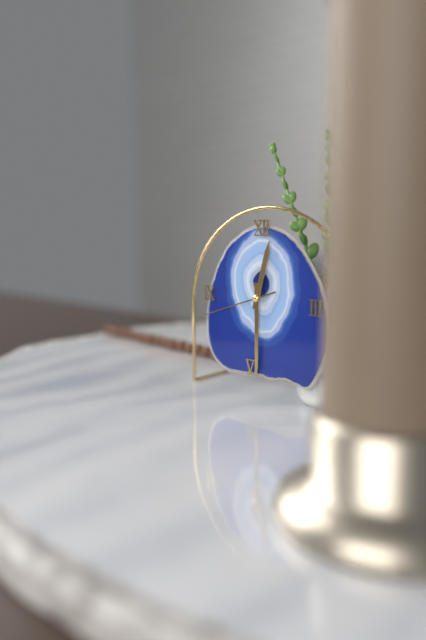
12:30:42
